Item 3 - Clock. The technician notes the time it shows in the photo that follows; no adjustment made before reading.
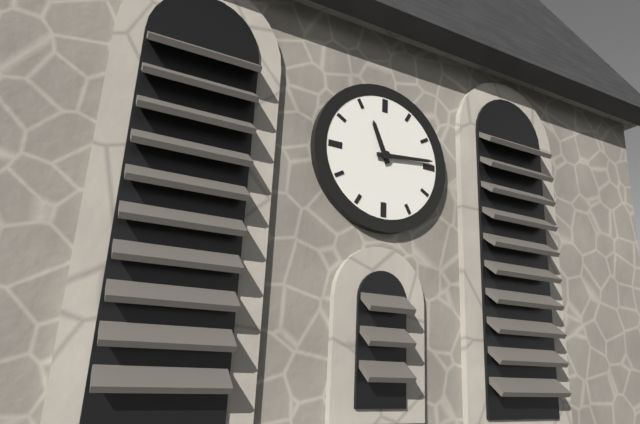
11:14
